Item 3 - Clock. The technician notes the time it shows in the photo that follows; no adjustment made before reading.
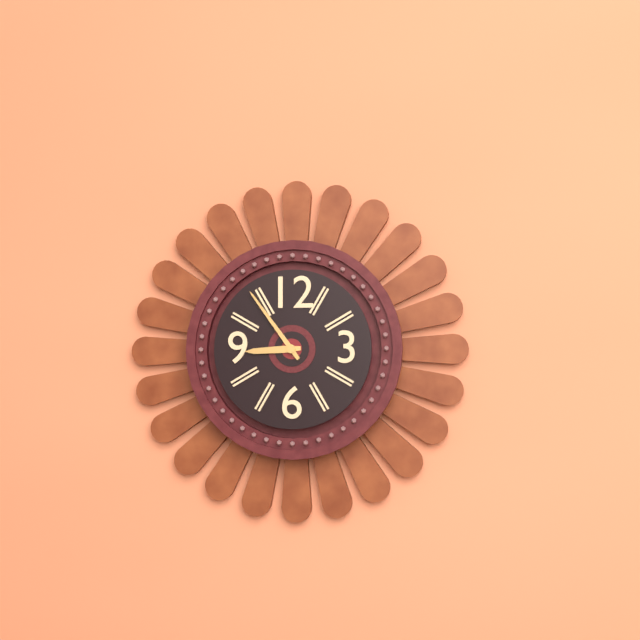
8:54
